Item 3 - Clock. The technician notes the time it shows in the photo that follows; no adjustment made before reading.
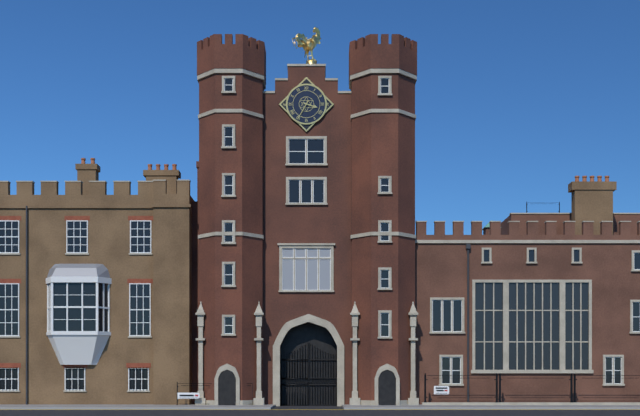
3:35
